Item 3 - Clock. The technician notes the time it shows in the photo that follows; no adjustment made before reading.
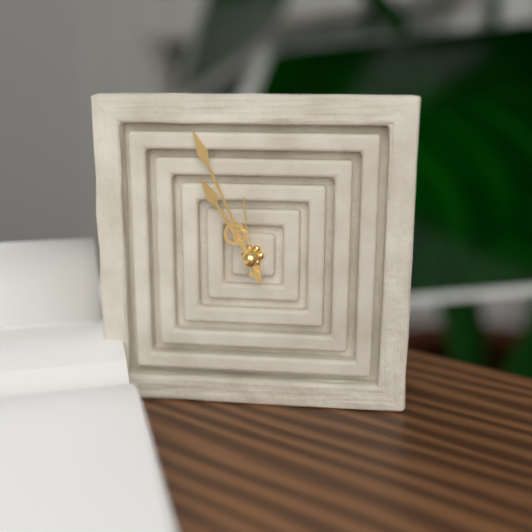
10:56:59
